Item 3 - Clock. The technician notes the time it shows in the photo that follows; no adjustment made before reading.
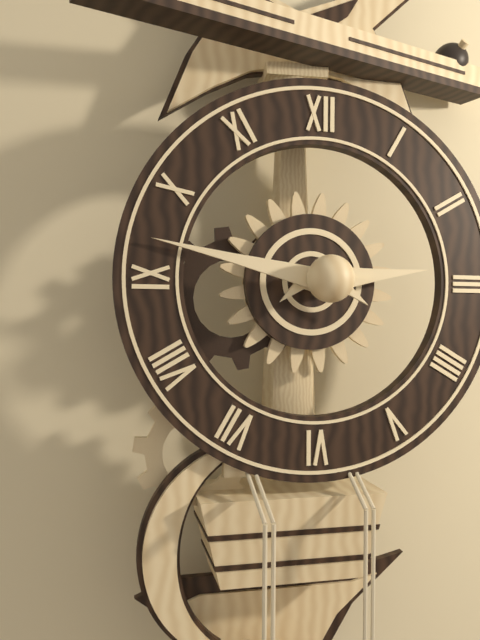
2:47
